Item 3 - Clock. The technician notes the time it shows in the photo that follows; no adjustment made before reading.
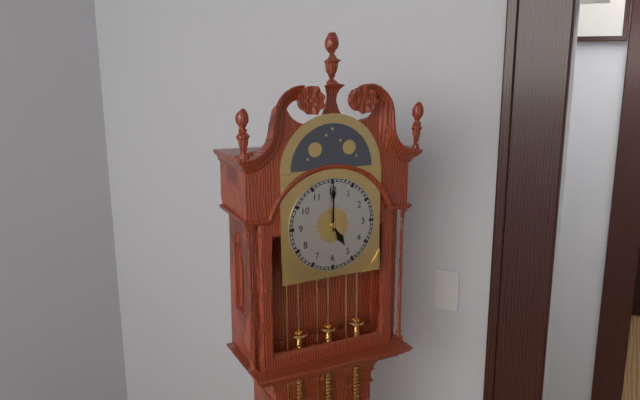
5:00
